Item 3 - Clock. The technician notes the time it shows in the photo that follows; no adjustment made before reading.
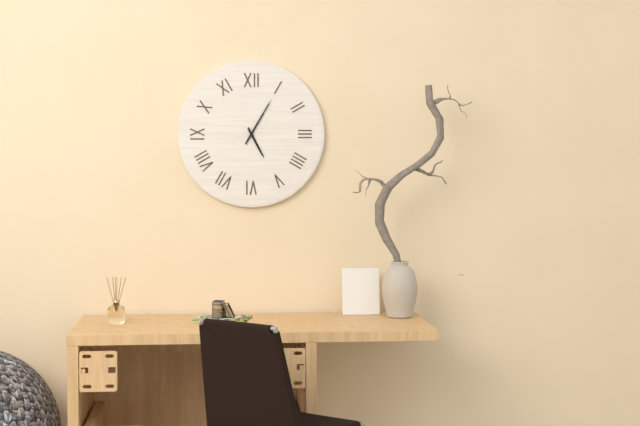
5:05
